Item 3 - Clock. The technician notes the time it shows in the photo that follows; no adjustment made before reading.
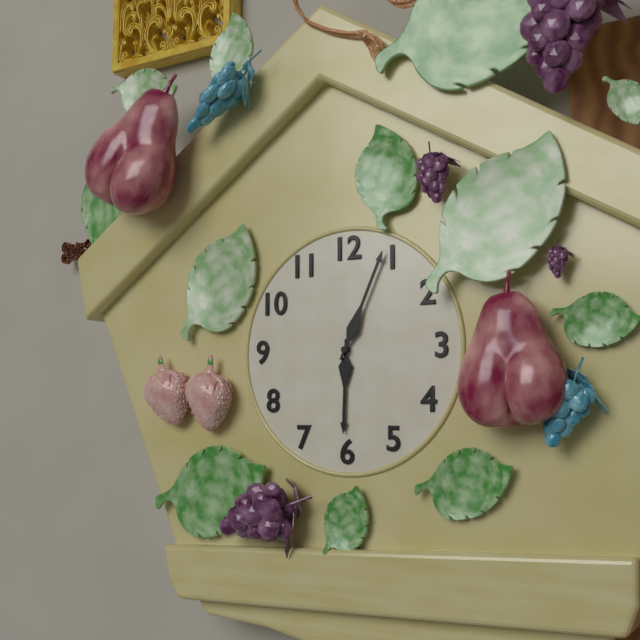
6:04
